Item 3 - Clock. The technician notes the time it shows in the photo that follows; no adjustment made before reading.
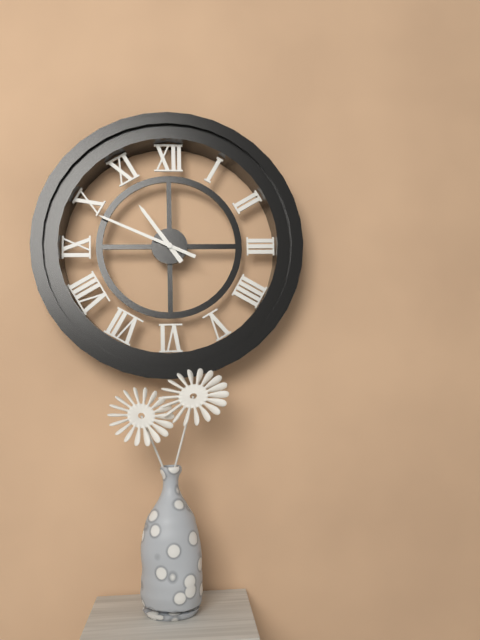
10:49
